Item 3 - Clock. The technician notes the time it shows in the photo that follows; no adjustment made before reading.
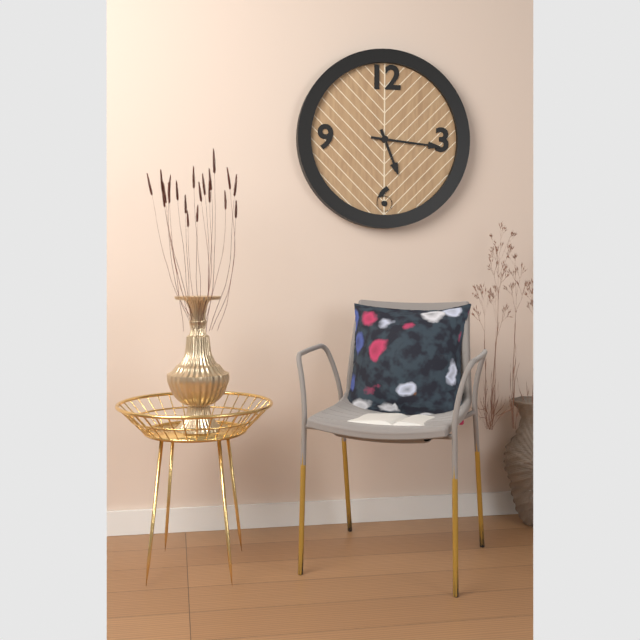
5:16
